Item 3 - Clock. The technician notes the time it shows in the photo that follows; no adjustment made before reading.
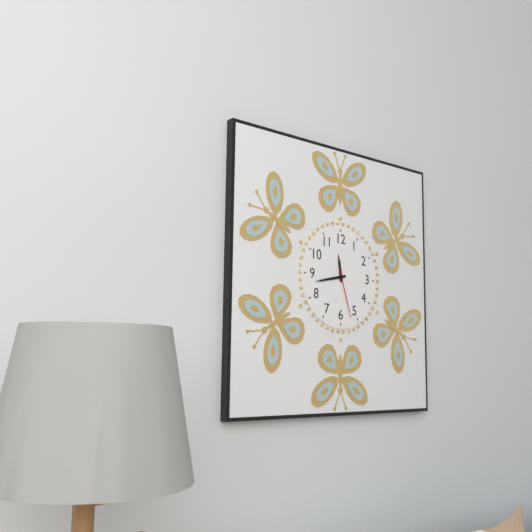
11:43:27
